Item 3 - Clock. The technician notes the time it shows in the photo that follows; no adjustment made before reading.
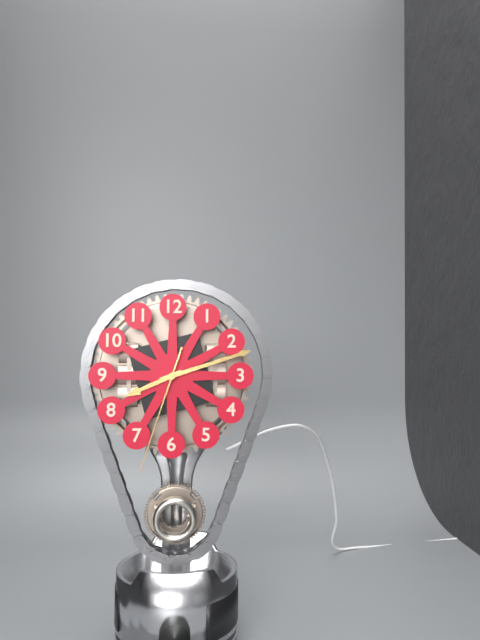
8:12:33
